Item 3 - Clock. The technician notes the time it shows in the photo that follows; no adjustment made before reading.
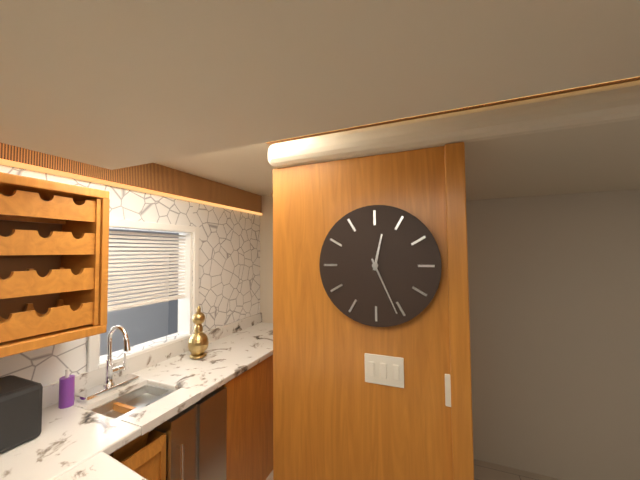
12:26
